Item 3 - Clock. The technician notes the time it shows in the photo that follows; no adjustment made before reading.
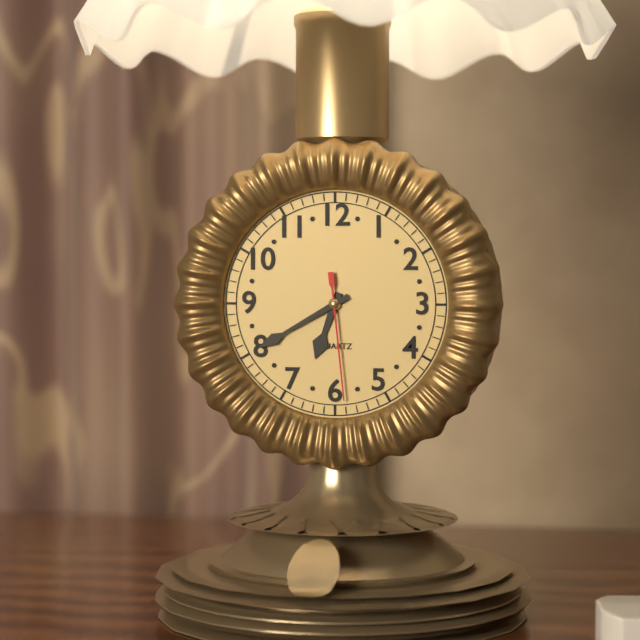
6:40:29
